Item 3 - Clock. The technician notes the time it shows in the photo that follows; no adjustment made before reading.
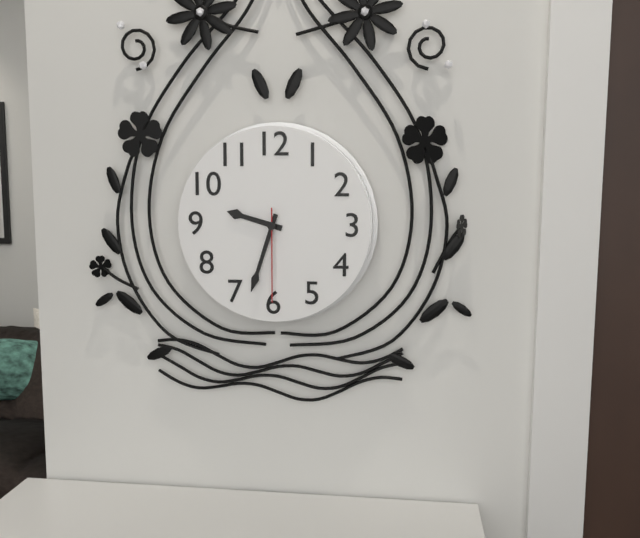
9:33:30
